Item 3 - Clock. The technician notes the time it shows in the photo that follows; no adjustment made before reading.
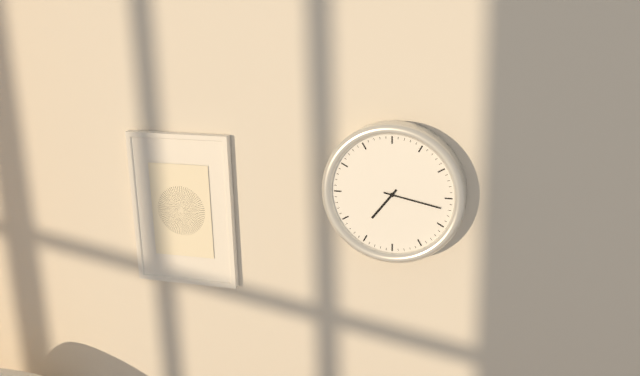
7:17
